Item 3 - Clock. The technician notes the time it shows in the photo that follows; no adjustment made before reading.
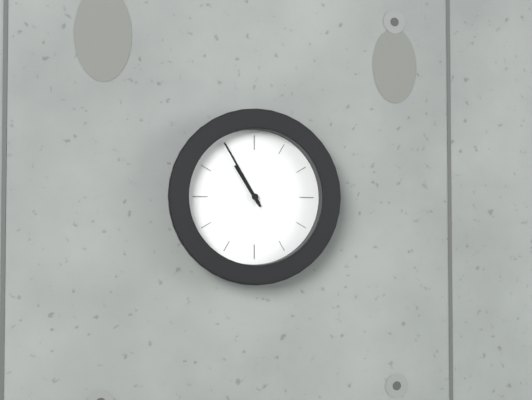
10:55
